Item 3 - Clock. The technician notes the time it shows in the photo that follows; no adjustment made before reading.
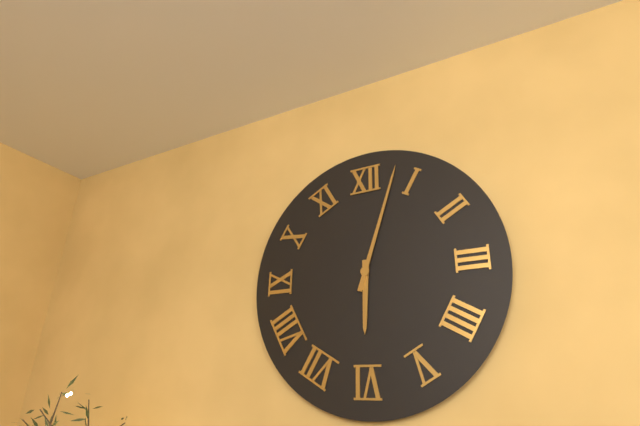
6:03
